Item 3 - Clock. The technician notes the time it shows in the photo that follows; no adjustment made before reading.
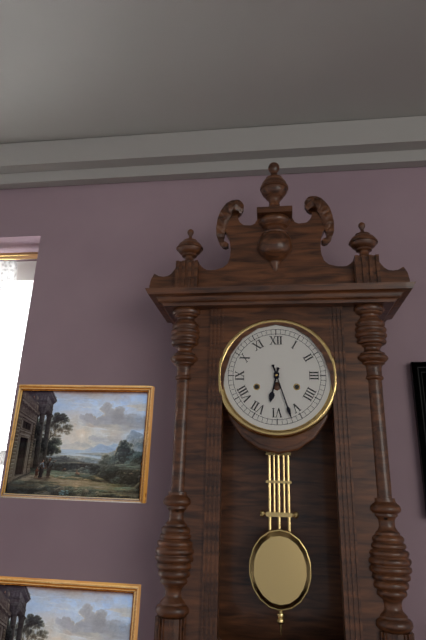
6:27
